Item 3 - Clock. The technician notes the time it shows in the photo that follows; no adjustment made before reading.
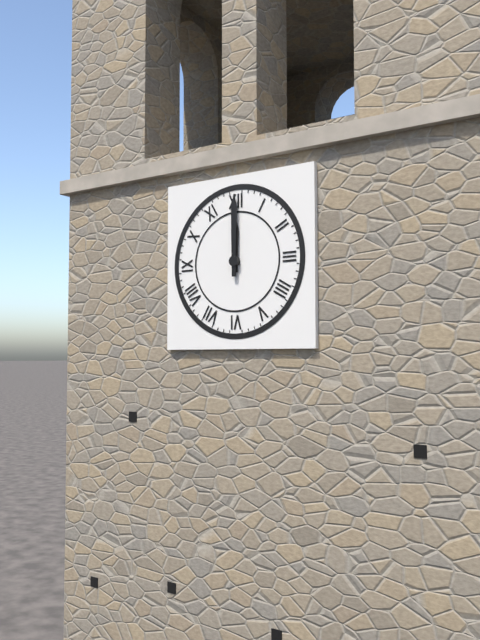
12:00
